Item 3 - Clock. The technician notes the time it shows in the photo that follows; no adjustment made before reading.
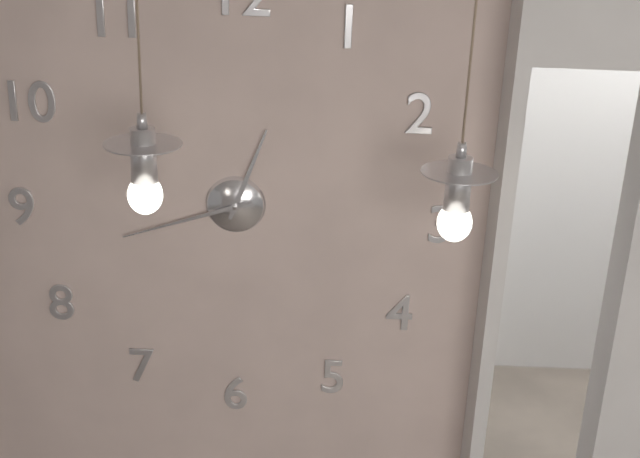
12:42
